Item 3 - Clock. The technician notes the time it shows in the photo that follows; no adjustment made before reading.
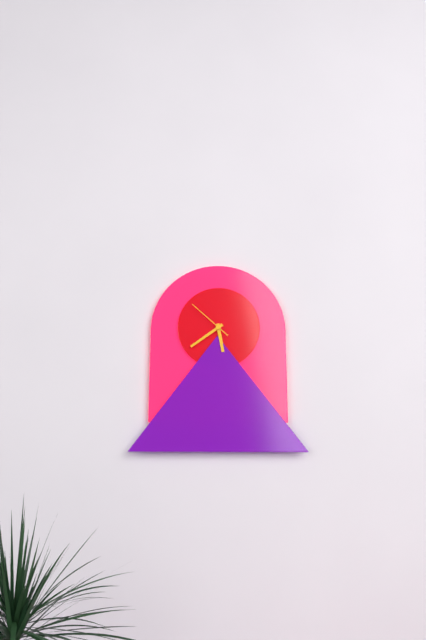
5:39
